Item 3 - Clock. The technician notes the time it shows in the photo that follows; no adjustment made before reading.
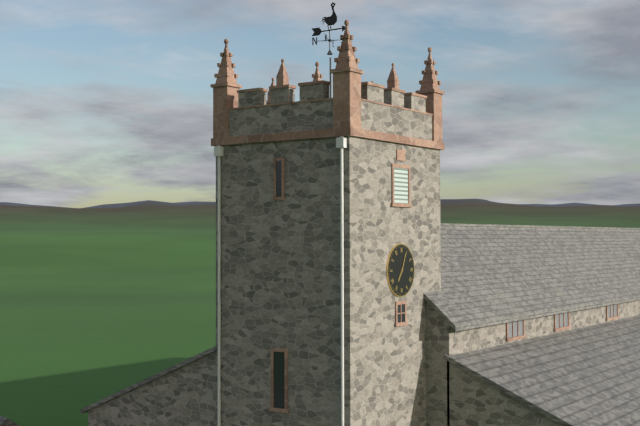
7:04
